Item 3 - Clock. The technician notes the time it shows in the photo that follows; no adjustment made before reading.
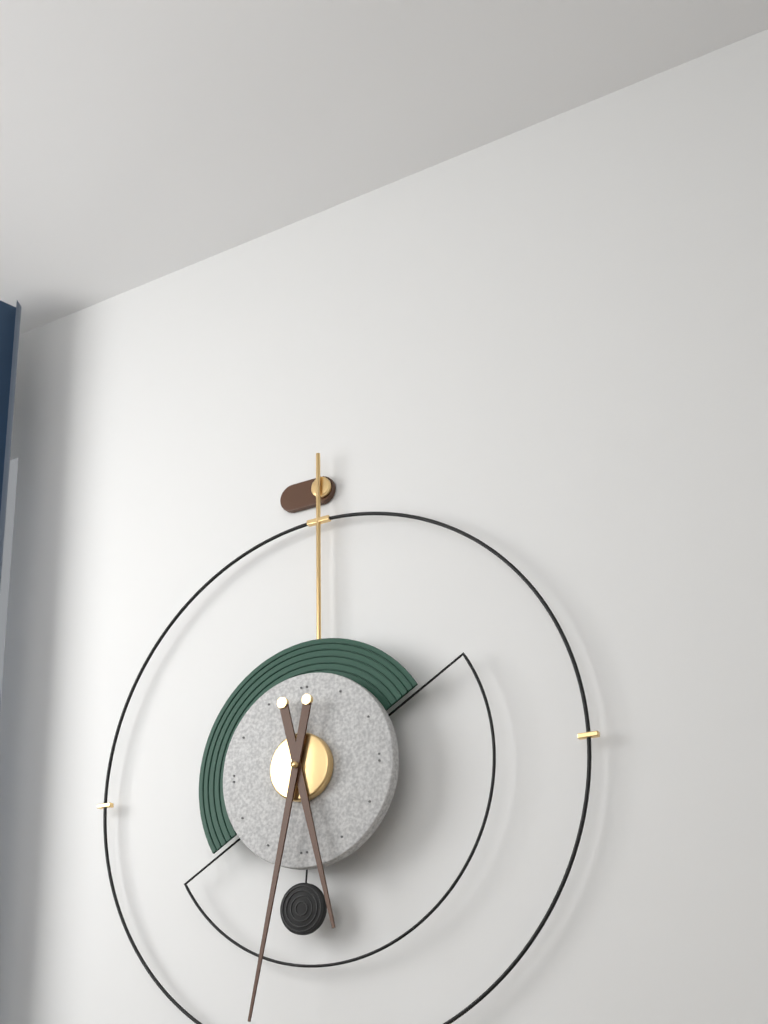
5:32
